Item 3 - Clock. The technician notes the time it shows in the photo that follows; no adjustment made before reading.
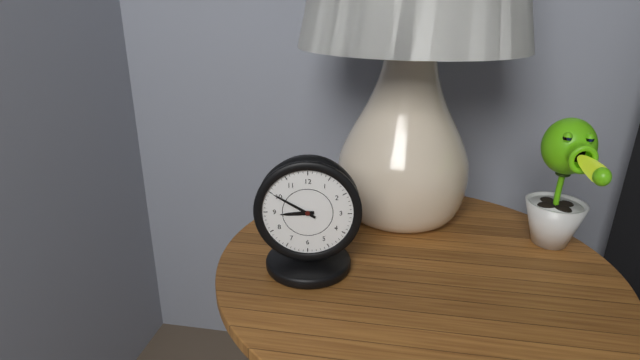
8:50
